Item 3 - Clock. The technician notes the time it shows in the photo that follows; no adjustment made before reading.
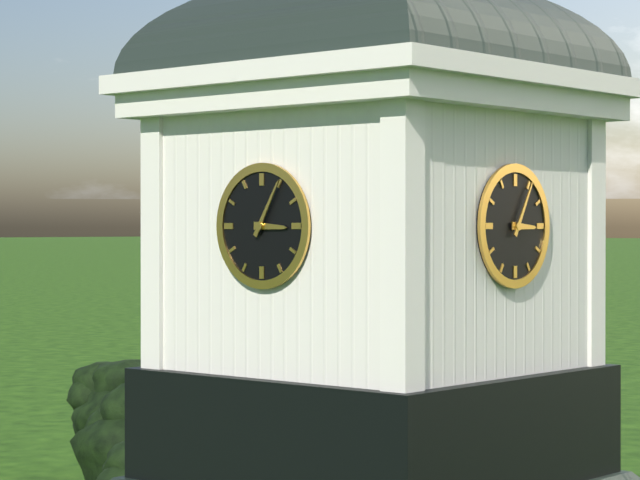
3:05
